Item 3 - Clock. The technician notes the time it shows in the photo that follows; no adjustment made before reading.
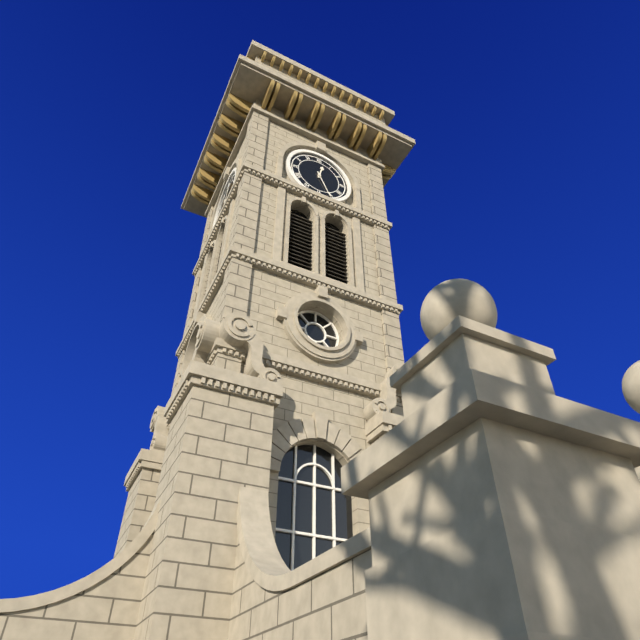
12:26
